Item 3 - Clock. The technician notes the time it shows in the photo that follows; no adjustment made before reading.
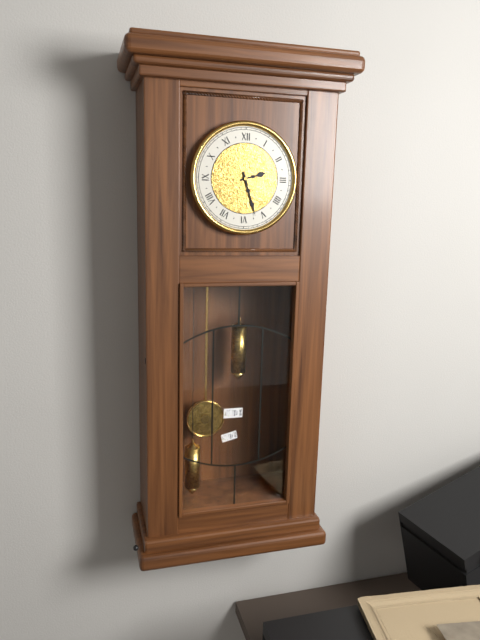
2:27
